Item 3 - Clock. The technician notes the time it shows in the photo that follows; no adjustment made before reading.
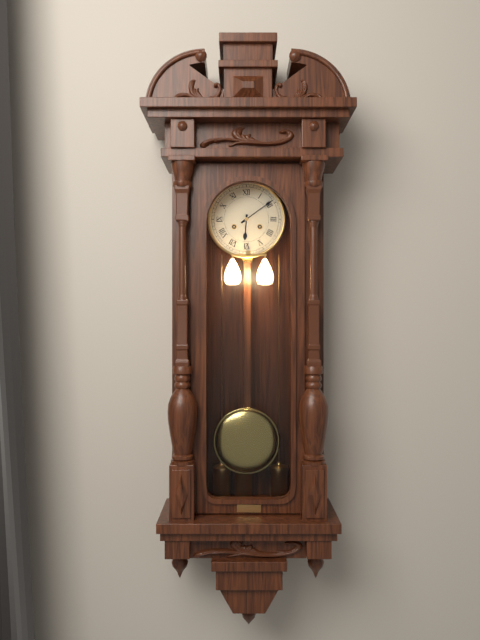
6:09
